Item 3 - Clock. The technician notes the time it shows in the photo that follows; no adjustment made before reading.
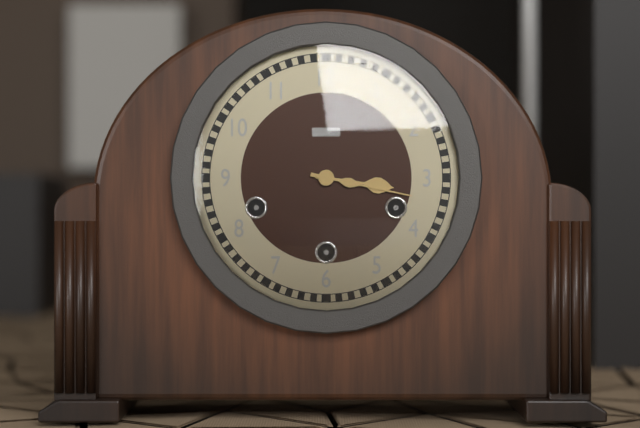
3:17
